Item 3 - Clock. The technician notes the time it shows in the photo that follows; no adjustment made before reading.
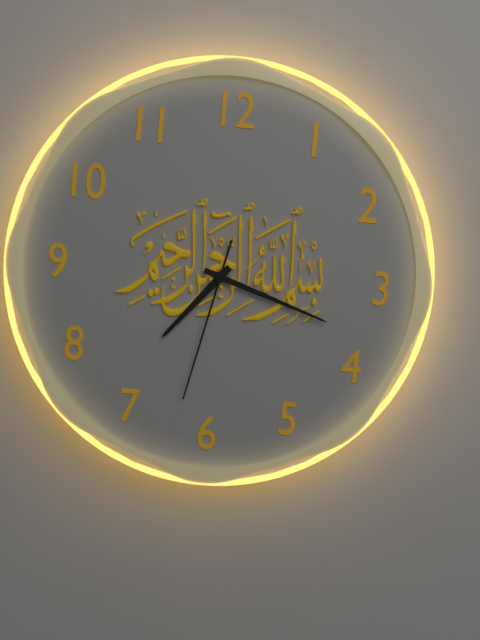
7:18:32
